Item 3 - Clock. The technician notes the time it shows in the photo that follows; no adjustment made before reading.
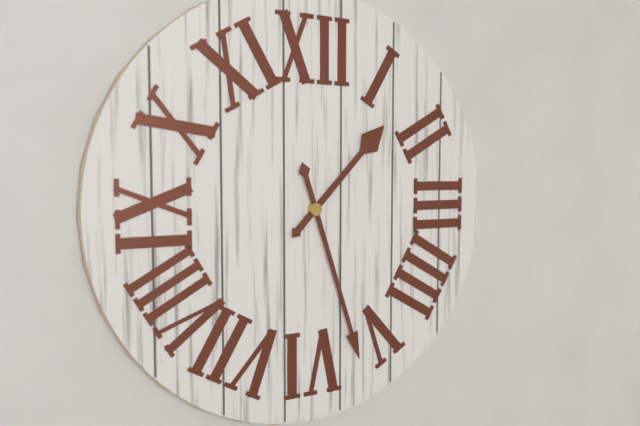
1:27
